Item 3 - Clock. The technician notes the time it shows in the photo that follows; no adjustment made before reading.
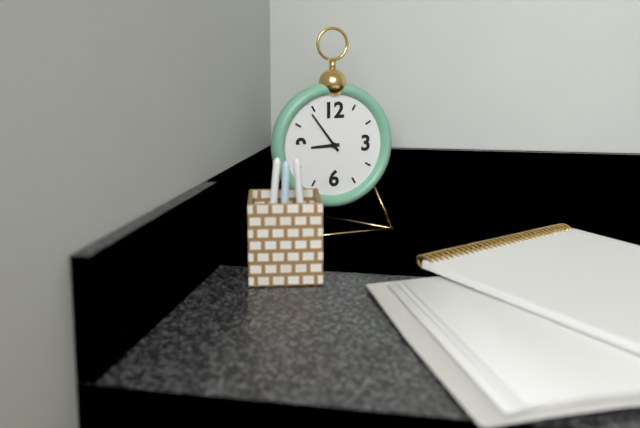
8:54
